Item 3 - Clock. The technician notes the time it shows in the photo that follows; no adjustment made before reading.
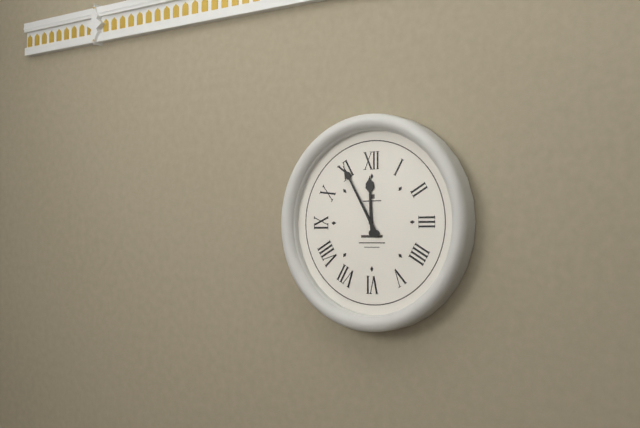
11:55
